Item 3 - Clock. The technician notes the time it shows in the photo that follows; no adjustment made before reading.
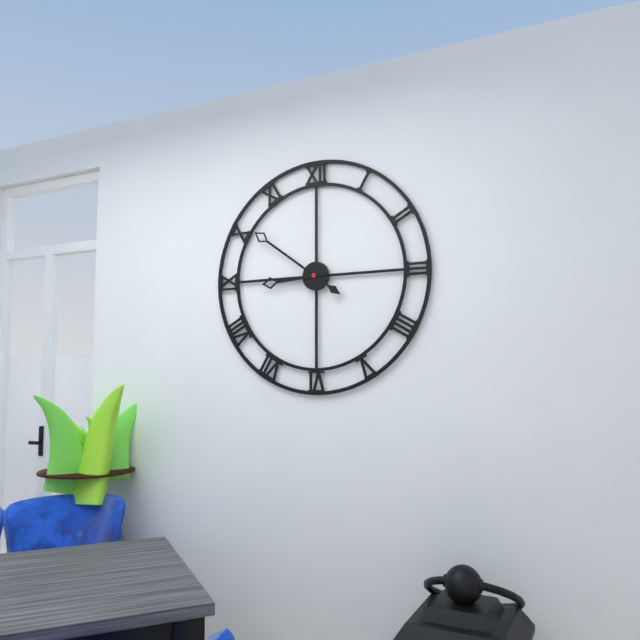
8:51
